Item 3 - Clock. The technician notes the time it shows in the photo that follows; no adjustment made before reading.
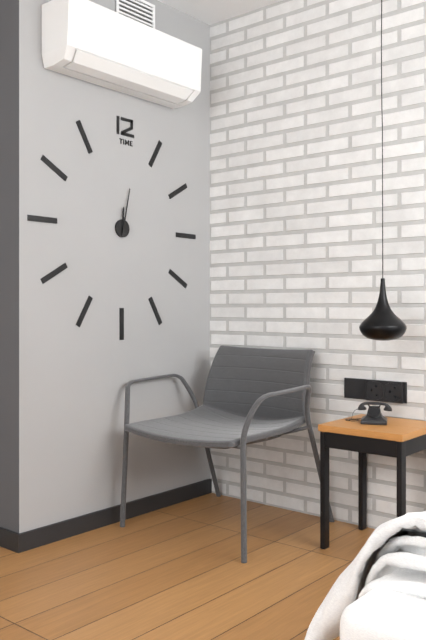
12:02
